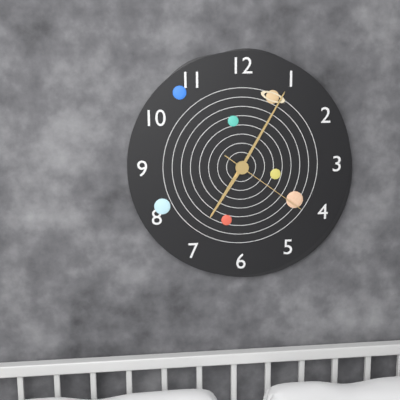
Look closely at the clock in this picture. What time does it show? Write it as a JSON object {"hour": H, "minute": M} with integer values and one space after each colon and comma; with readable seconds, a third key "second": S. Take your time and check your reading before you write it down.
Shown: {"hour": 7, "minute": 5, "second": 21}
